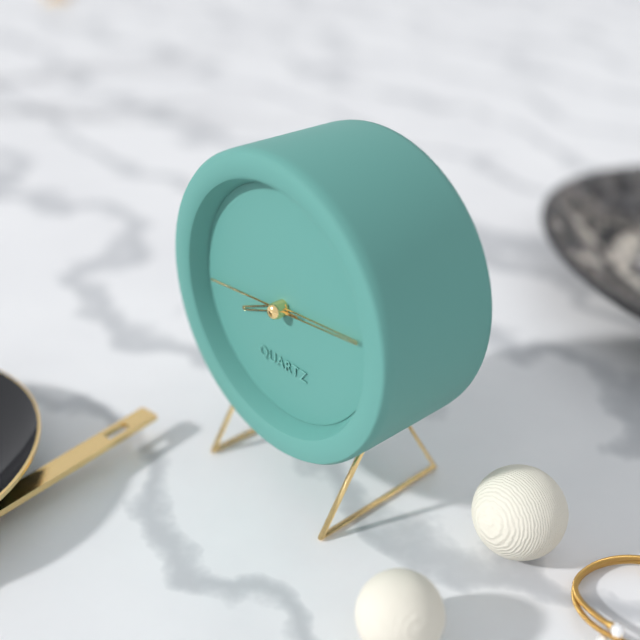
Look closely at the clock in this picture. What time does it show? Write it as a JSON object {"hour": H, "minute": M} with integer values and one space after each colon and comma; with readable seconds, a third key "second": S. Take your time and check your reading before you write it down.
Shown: {"hour": 8, "minute": 14, "second": 44}
